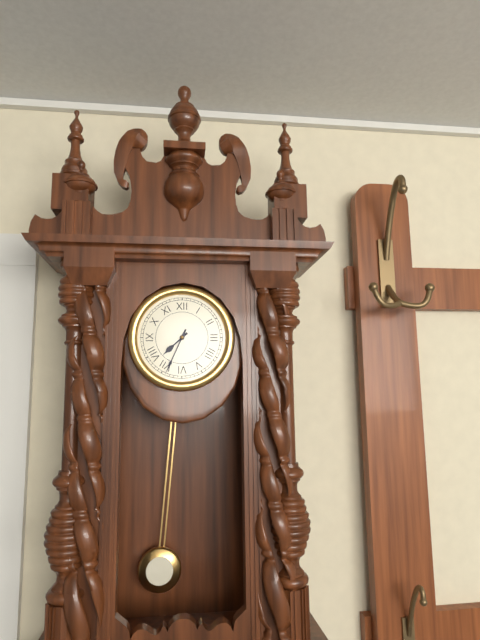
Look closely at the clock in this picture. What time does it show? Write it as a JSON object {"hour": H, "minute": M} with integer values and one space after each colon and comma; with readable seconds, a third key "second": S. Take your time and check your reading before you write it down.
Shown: {"hour": 7, "minute": 34}
